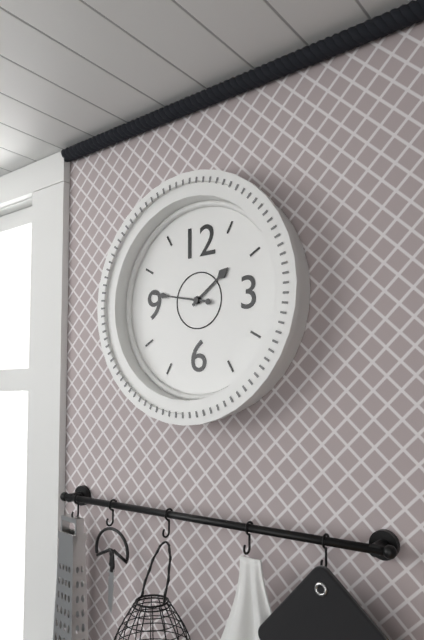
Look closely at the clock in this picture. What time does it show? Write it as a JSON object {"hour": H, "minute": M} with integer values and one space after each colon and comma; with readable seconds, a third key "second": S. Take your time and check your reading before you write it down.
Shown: {"hour": 1, "minute": 47}
